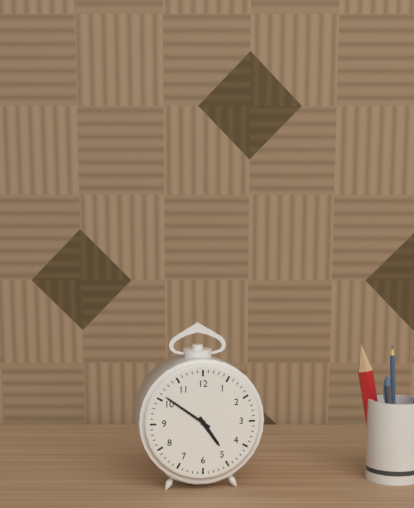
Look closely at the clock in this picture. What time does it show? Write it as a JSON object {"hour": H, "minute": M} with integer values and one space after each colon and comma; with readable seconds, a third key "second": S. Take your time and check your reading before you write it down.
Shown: {"hour": 4, "minute": 51}
